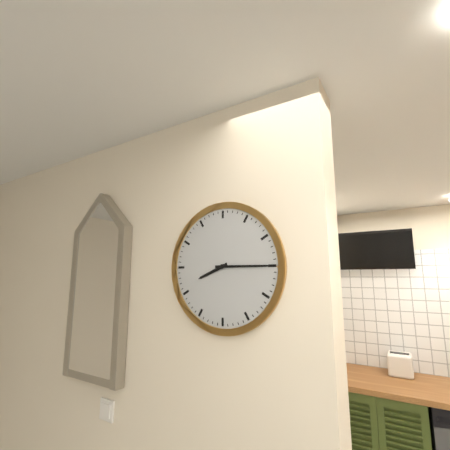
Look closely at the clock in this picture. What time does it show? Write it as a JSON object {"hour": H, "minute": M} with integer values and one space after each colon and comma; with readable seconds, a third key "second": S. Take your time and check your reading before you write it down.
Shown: {"hour": 8, "minute": 15}
